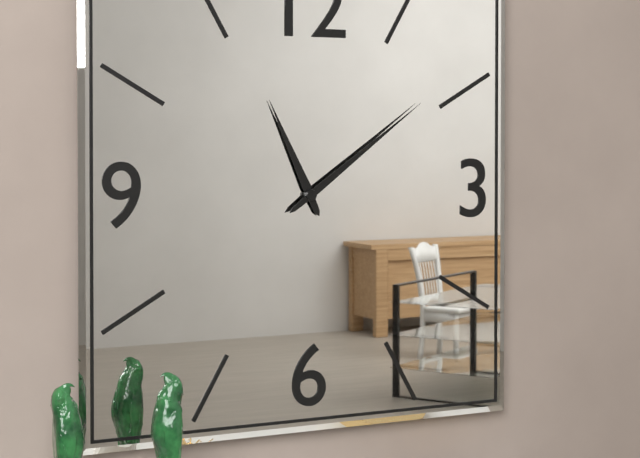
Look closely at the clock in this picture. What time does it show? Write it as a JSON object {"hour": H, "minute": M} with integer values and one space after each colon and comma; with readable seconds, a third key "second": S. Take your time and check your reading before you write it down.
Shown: {"hour": 11, "minute": 9}
